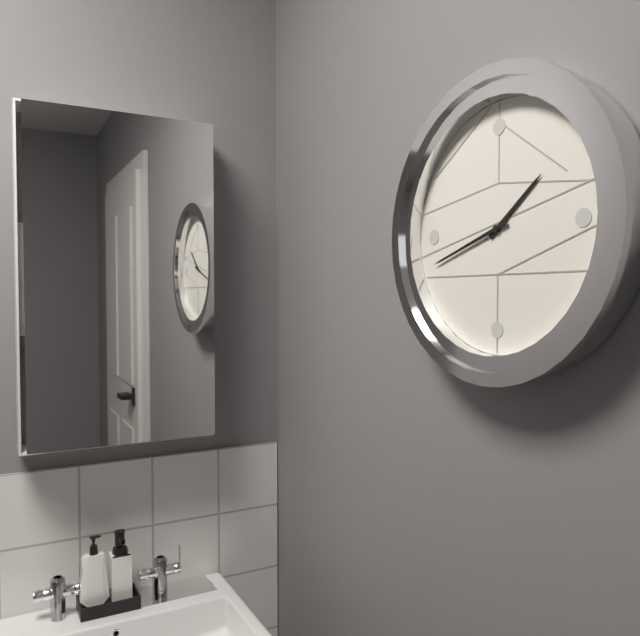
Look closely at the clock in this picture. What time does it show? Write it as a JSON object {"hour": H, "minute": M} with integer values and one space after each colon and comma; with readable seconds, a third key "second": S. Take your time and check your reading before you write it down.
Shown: {"hour": 1, "minute": 42}
